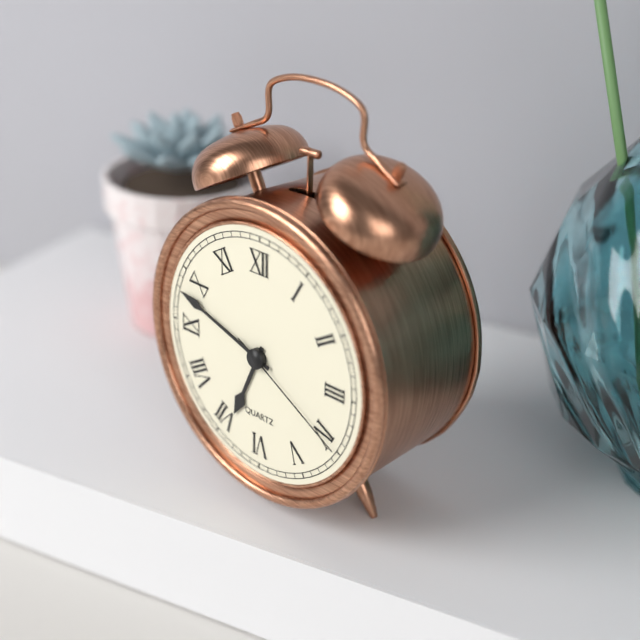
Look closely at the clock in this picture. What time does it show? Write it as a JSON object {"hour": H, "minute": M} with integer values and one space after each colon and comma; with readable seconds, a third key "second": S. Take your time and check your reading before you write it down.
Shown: {"hour": 6, "minute": 48, "second": 20}
